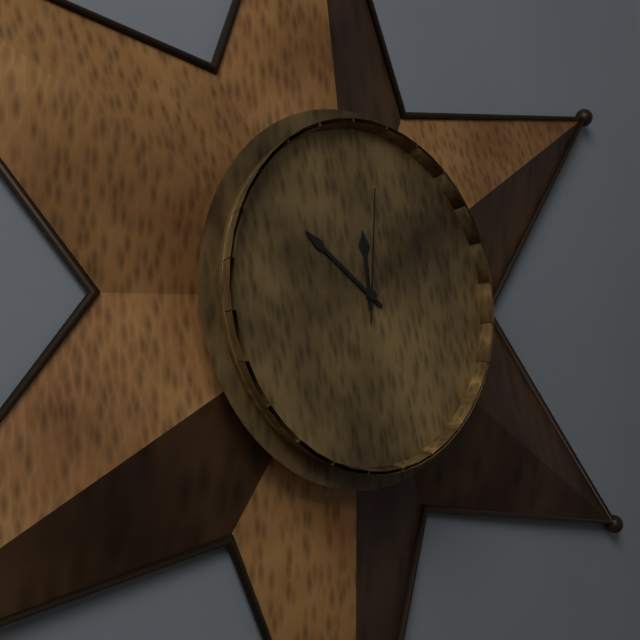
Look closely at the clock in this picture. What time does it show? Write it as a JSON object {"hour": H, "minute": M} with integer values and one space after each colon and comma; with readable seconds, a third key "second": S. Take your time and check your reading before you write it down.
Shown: {"hour": 11, "minute": 51, "second": 1}
